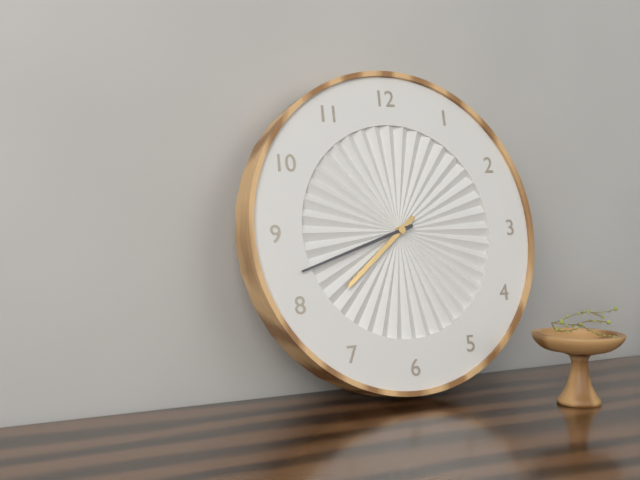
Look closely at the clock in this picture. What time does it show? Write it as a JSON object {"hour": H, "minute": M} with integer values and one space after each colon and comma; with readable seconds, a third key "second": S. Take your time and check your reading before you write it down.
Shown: {"hour": 7, "minute": 42}
